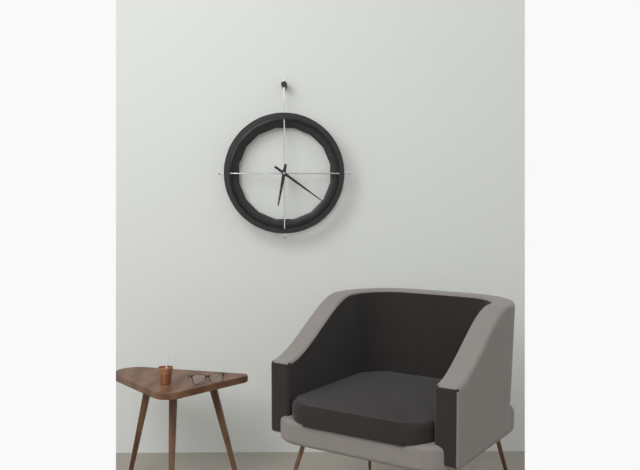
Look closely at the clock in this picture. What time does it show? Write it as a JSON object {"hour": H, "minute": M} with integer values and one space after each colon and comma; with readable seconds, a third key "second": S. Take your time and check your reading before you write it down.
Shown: {"hour": 6, "minute": 21}
